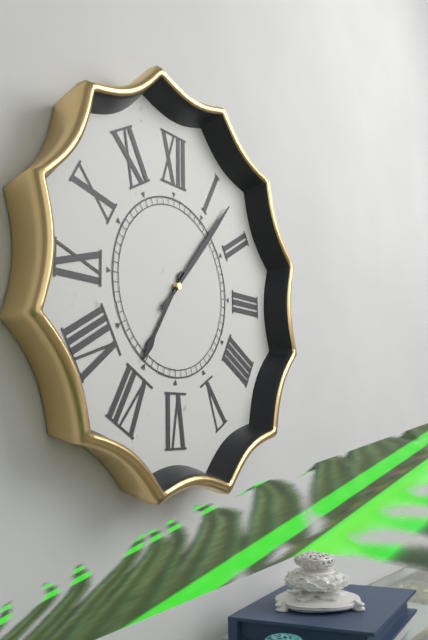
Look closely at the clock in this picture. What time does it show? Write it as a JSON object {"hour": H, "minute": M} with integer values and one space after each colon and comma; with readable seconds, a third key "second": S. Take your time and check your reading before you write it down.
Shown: {"hour": 7, "minute": 7}
